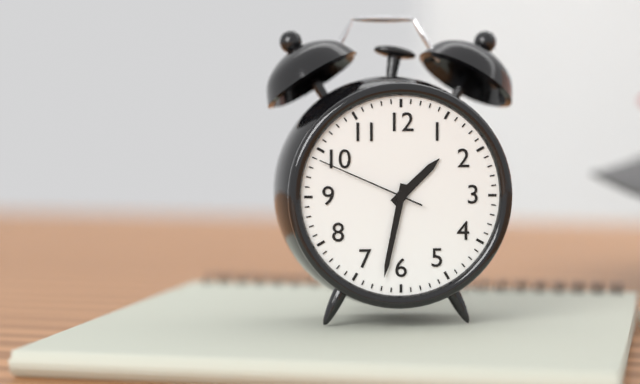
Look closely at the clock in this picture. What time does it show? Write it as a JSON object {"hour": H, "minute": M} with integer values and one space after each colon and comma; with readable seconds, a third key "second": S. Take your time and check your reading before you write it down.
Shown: {"hour": 1, "minute": 32, "second": 49}
